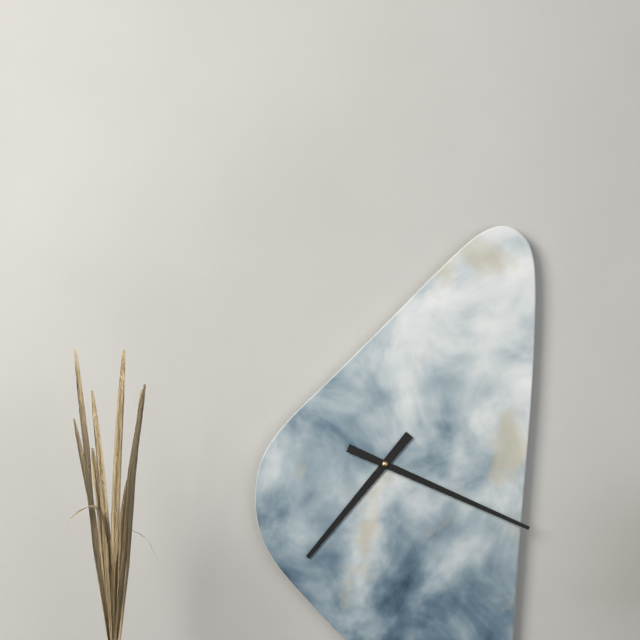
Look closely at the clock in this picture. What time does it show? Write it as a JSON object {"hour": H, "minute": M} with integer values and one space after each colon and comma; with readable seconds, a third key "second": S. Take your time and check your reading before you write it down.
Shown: {"hour": 7, "minute": 19}
